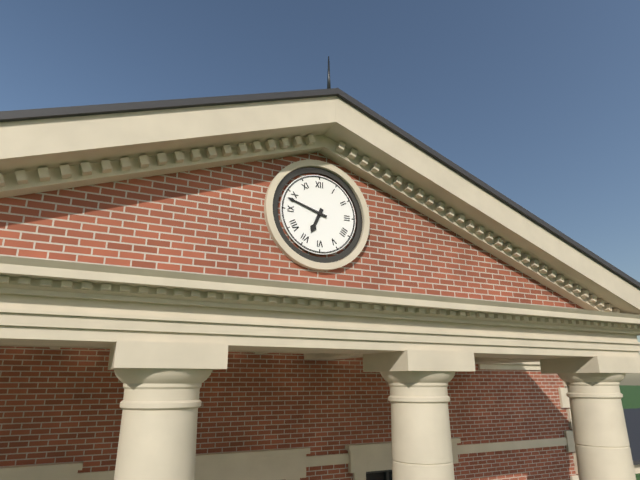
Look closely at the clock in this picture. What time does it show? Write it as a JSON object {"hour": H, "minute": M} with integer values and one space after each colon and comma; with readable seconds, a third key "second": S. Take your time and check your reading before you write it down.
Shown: {"hour": 6, "minute": 48}
